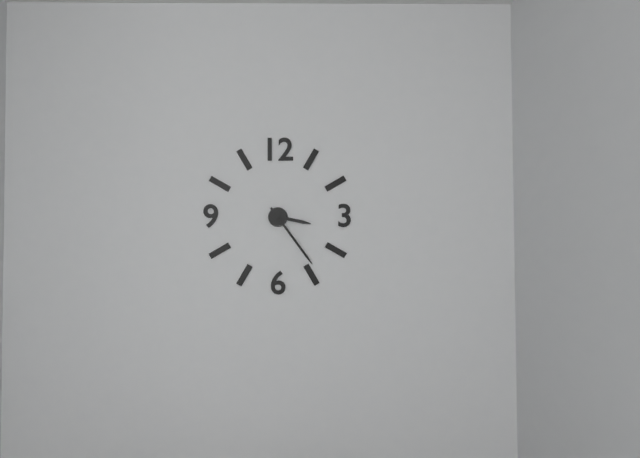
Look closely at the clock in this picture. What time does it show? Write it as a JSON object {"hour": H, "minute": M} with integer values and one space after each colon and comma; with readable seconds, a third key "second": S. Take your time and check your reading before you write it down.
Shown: {"hour": 3, "minute": 24}
